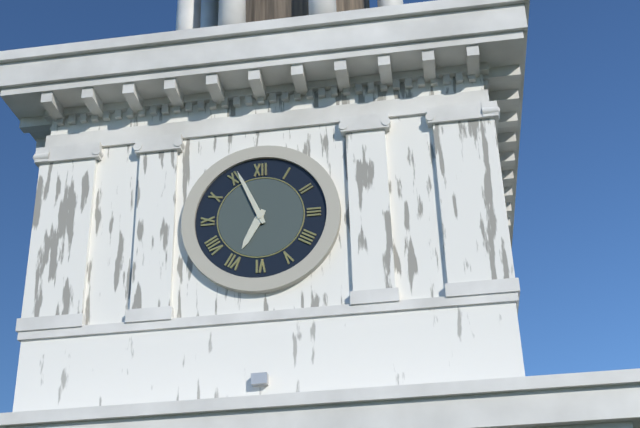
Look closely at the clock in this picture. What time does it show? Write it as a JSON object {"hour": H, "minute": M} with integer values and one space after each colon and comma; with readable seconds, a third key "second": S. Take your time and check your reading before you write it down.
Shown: {"hour": 6, "minute": 56}
